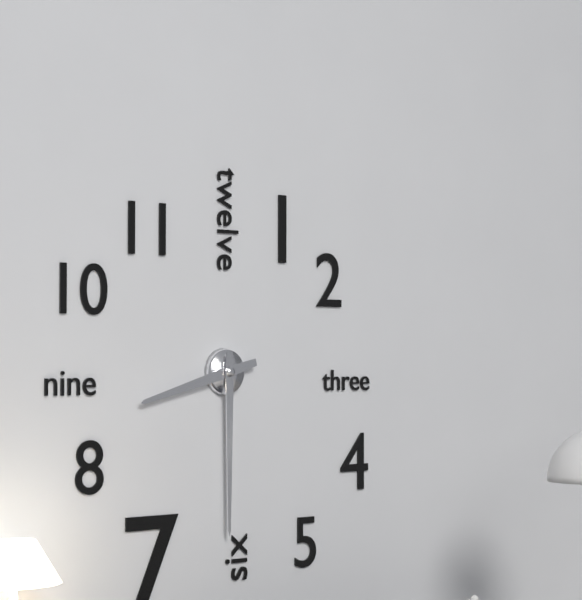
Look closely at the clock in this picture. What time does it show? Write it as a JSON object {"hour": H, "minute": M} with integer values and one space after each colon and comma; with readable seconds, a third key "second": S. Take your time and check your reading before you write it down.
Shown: {"hour": 8, "minute": 30}
